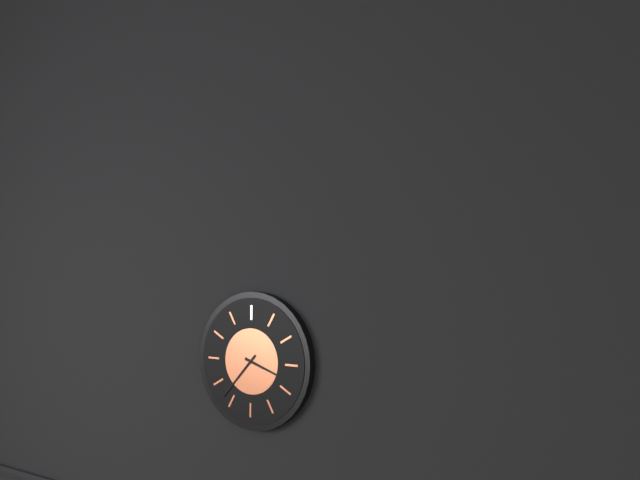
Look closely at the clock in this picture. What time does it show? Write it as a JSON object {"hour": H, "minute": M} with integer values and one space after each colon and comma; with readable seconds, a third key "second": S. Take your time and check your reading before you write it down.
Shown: {"hour": 3, "minute": 37}
